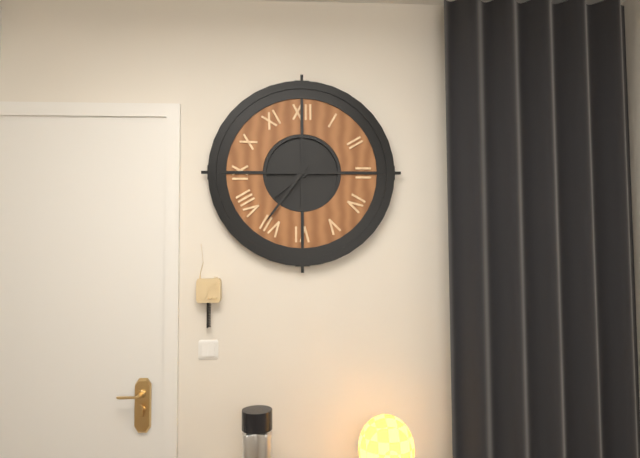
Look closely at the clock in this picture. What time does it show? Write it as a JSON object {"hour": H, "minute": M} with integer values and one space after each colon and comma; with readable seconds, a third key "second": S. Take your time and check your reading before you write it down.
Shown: {"hour": 7, "minute": 36}
